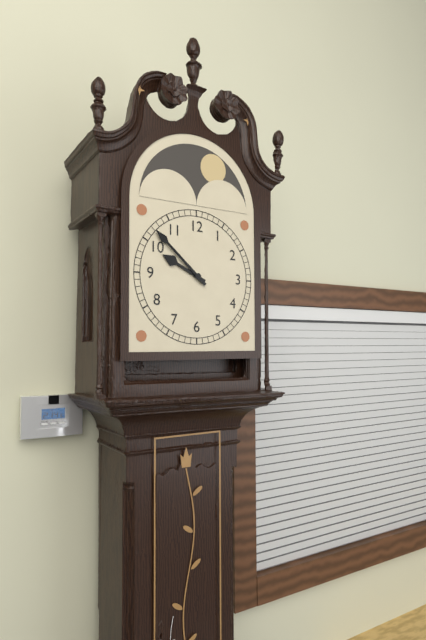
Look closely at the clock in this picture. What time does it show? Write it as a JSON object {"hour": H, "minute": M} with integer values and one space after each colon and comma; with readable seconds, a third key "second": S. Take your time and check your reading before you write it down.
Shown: {"hour": 9, "minute": 52}
